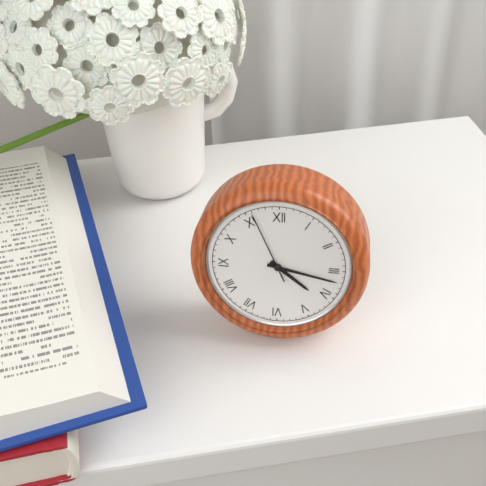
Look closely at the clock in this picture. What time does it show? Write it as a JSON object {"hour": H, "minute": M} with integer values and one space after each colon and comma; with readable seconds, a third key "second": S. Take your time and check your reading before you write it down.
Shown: {"hour": 4, "minute": 17, "second": 56}
